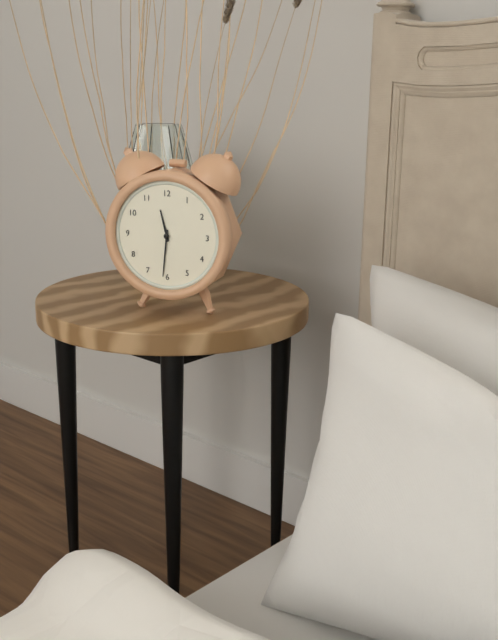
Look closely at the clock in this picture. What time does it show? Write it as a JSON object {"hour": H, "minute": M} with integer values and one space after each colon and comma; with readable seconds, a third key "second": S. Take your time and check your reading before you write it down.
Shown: {"hour": 11, "minute": 31}
